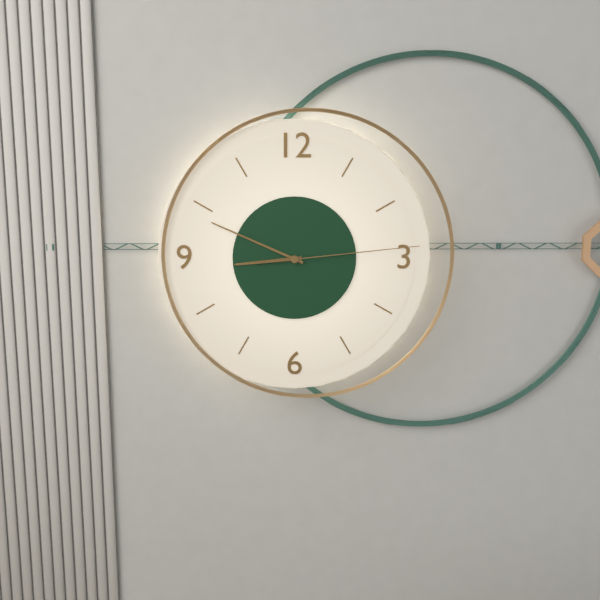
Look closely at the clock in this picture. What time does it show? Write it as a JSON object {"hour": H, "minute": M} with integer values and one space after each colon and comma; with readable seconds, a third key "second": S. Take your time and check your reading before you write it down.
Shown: {"hour": 8, "minute": 49, "second": 14}
